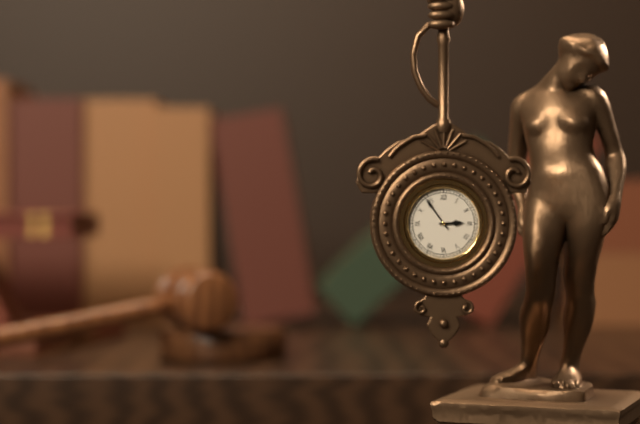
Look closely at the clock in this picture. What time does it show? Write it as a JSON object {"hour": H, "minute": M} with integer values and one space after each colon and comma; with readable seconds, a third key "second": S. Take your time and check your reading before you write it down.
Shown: {"hour": 2, "minute": 54}
